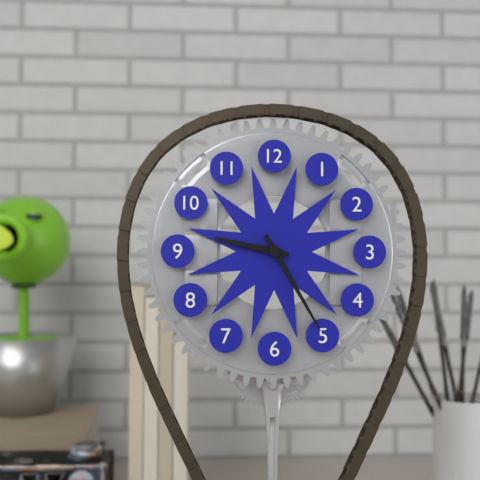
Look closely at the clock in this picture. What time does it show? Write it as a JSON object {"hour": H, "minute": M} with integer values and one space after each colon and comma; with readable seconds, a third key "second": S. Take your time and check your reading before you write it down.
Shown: {"hour": 9, "minute": 25}
